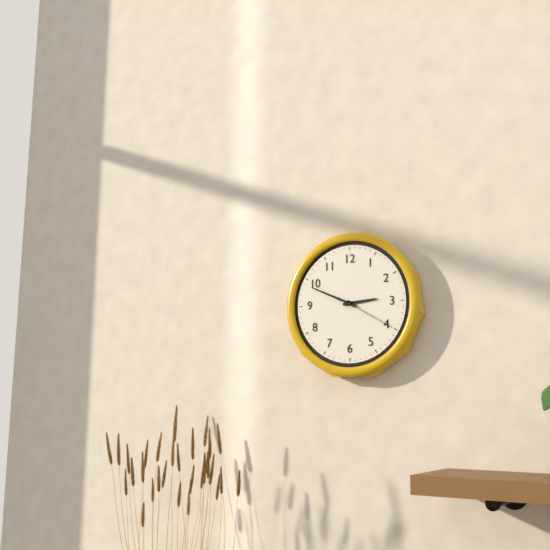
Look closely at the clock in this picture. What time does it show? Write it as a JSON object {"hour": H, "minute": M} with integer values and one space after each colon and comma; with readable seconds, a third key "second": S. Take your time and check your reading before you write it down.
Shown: {"hour": 2, "minute": 49, "second": 20}
